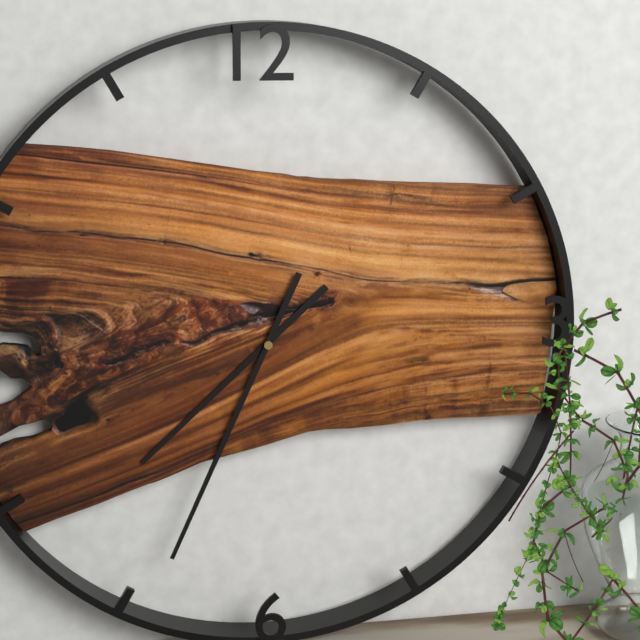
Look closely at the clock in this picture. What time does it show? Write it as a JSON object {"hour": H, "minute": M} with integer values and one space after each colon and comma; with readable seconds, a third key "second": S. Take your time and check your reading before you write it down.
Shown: {"hour": 7, "minute": 34}
